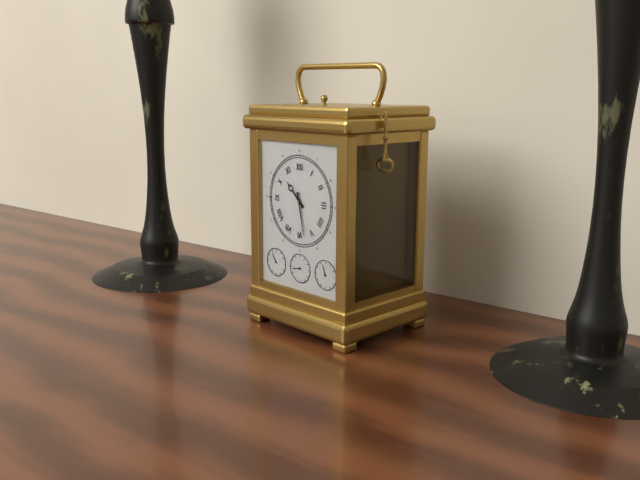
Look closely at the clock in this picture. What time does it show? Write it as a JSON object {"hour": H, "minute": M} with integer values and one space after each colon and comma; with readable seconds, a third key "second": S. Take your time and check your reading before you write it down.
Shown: {"hour": 10, "minute": 28}
